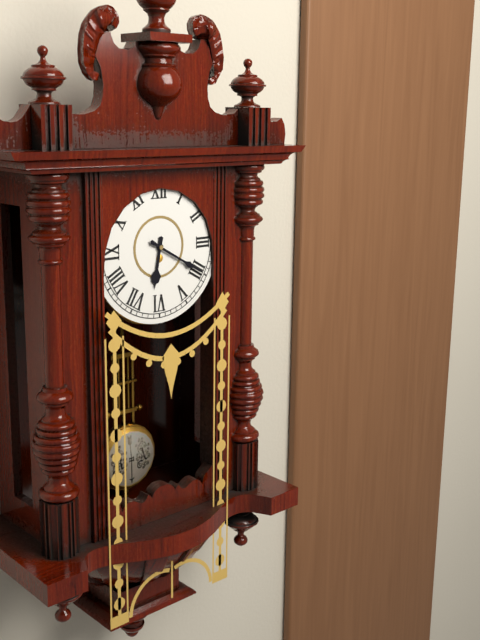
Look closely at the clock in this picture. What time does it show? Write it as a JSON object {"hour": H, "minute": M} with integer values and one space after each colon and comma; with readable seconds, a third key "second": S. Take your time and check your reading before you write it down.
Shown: {"hour": 6, "minute": 20}
